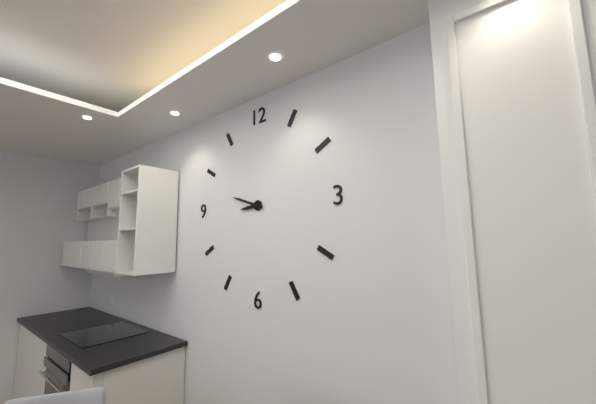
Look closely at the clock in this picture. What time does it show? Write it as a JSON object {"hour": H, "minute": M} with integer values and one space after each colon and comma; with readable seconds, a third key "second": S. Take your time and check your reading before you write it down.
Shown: {"hour": 8, "minute": 48}
